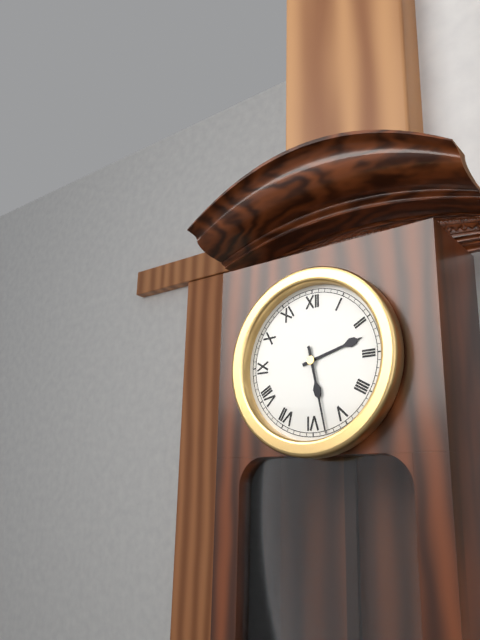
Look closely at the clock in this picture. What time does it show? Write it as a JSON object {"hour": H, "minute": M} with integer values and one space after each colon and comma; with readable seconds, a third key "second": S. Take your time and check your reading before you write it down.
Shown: {"hour": 2, "minute": 28}
